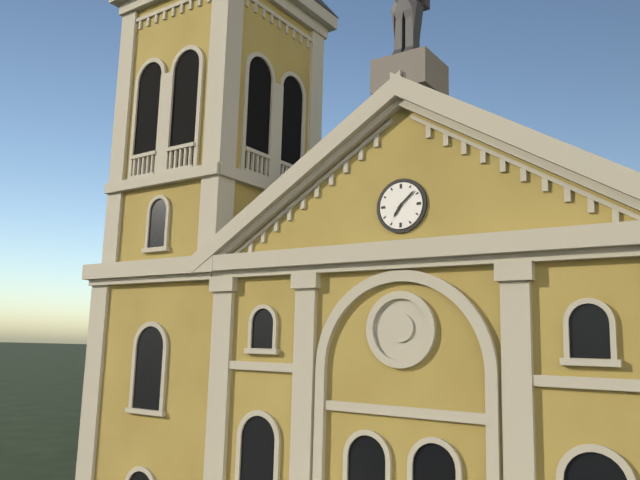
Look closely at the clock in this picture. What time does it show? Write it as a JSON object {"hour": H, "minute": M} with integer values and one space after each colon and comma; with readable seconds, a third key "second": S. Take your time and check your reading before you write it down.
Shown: {"hour": 7, "minute": 8}
